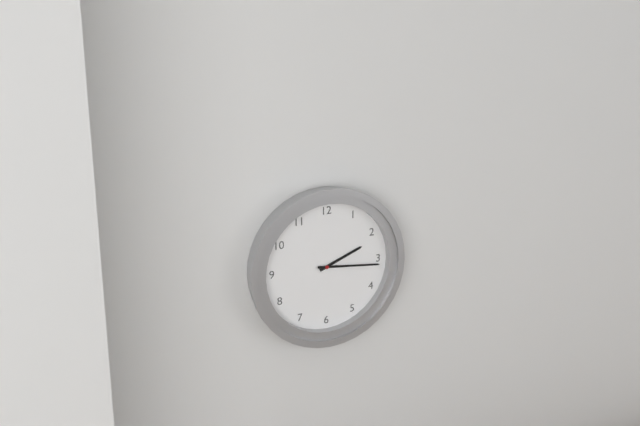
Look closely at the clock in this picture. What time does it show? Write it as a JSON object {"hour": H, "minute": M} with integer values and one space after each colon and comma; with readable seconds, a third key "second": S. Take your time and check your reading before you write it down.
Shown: {"hour": 2, "minute": 16}
